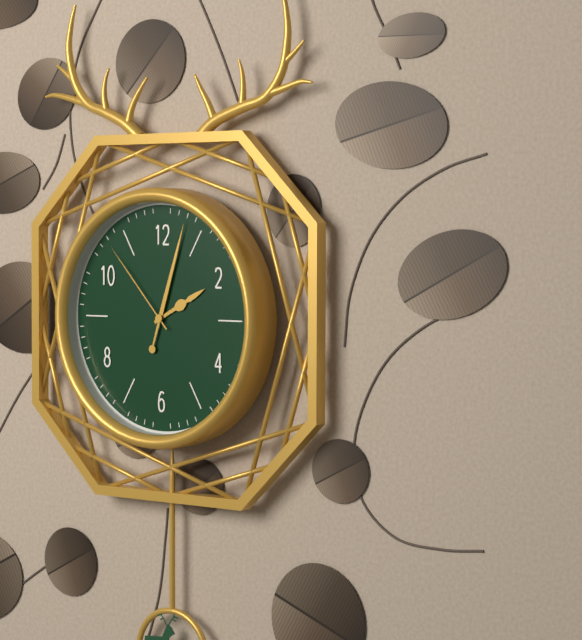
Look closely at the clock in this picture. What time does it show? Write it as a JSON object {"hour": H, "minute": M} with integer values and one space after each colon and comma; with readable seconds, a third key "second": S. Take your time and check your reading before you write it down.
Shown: {"hour": 2, "minute": 3, "second": 53}
